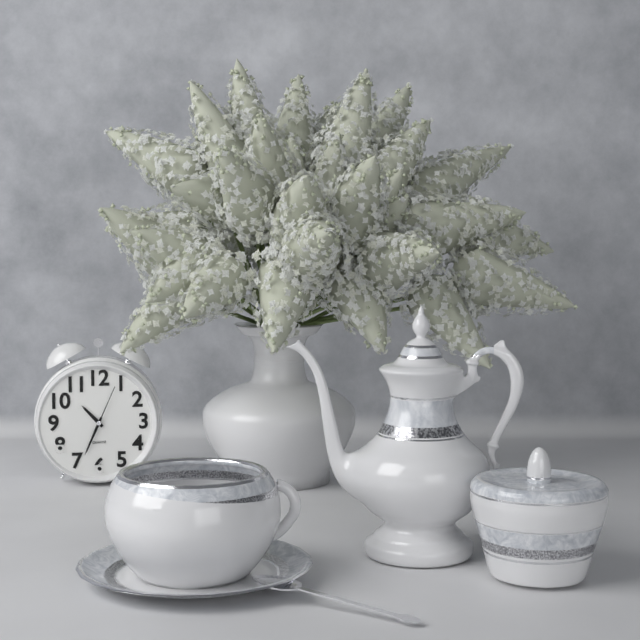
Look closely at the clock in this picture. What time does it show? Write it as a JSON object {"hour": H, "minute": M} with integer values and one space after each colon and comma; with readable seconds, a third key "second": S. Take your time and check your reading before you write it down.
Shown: {"hour": 10, "minute": 34}
